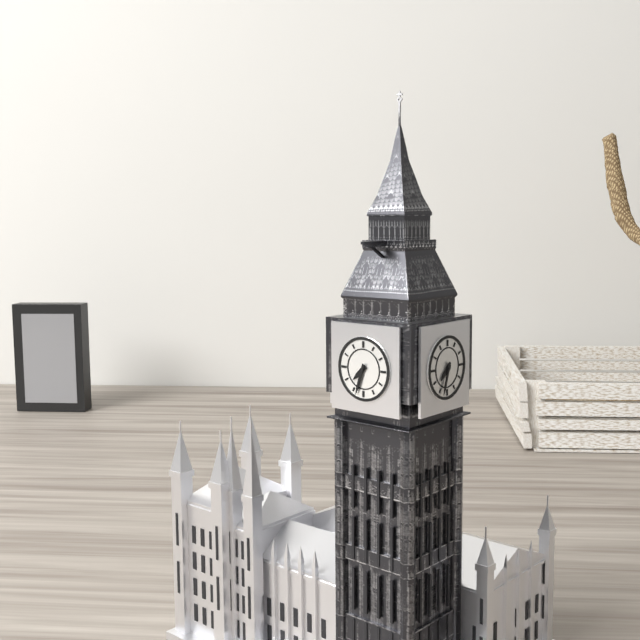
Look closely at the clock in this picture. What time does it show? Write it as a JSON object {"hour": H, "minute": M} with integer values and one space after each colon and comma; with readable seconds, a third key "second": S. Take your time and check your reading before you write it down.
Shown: {"hour": 7, "minute": 33}
